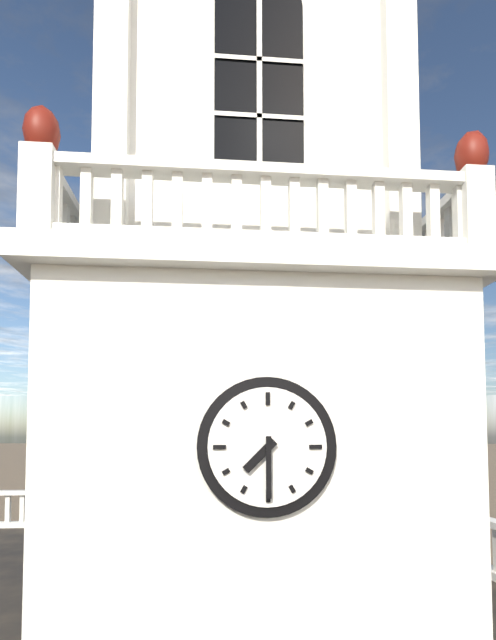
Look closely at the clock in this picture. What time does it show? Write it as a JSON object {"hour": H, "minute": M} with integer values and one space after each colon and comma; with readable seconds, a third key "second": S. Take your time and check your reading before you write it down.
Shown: {"hour": 7, "minute": 30}
